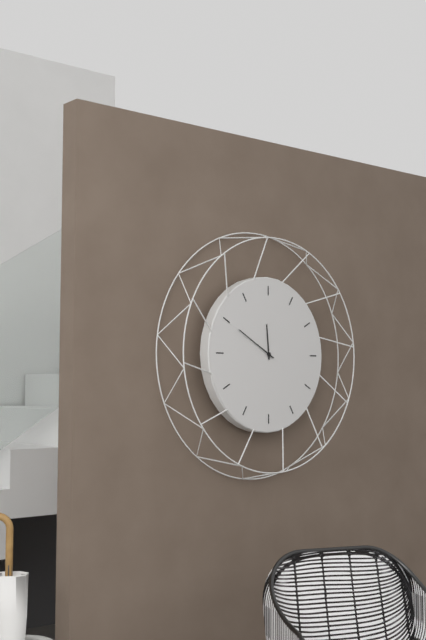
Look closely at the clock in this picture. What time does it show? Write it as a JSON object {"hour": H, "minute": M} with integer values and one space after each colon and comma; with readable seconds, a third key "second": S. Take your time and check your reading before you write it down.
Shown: {"hour": 11, "minute": 50}
